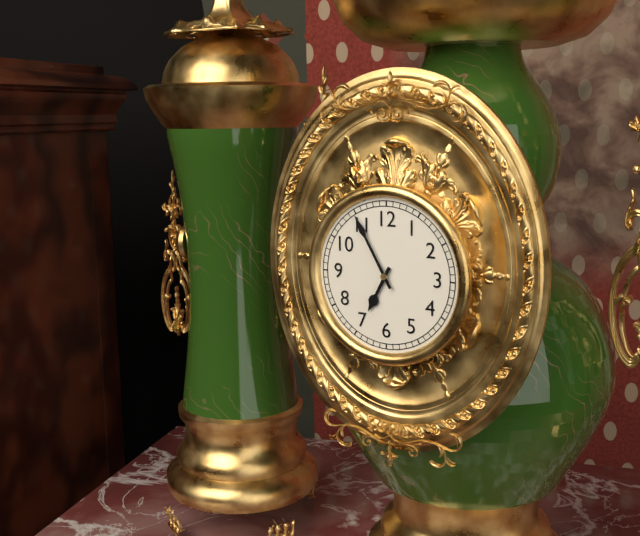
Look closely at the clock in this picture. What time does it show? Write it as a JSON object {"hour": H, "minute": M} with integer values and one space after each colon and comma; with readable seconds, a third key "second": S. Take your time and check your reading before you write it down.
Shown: {"hour": 6, "minute": 55}
